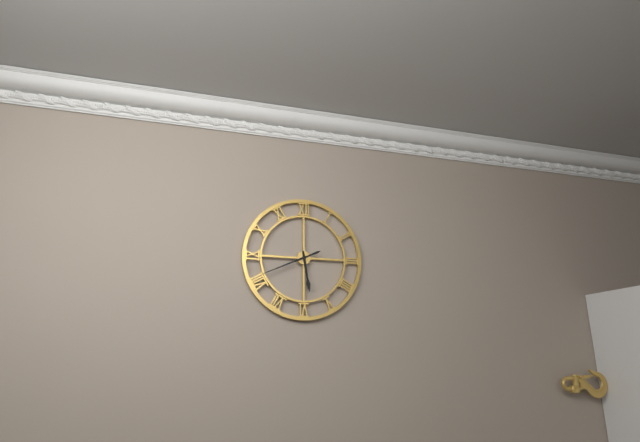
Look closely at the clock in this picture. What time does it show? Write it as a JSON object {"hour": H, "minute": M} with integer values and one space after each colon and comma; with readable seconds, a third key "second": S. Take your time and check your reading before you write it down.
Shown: {"hour": 5, "minute": 41}
